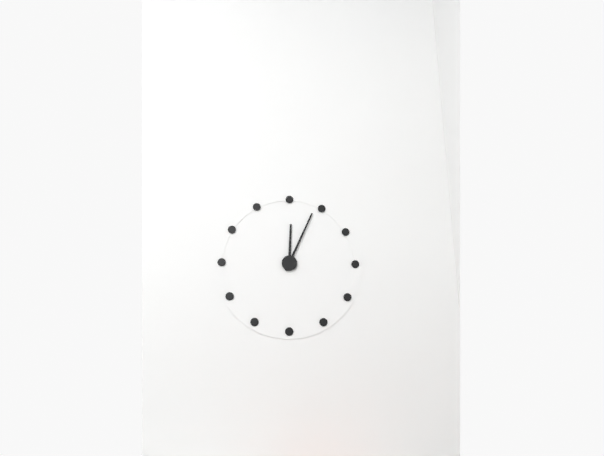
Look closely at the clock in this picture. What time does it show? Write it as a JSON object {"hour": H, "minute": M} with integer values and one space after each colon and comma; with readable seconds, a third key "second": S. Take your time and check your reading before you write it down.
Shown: {"hour": 12, "minute": 4}
